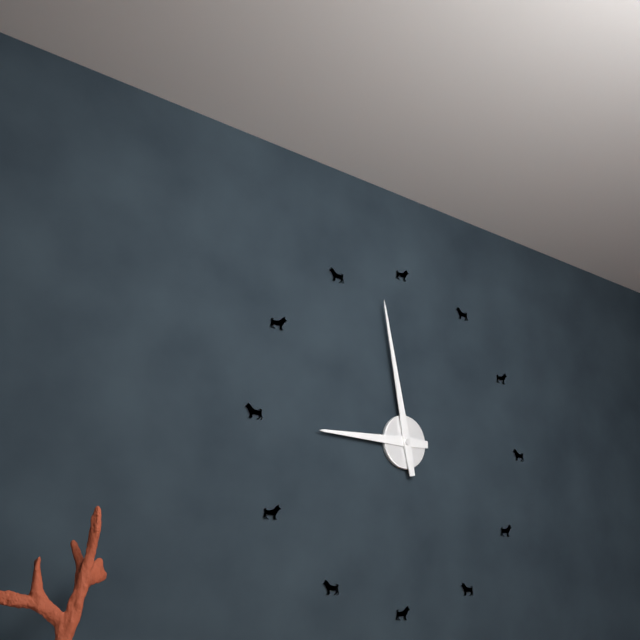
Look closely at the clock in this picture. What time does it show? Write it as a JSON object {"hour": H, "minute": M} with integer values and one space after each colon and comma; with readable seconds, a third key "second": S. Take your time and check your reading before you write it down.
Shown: {"hour": 8, "minute": 58}
